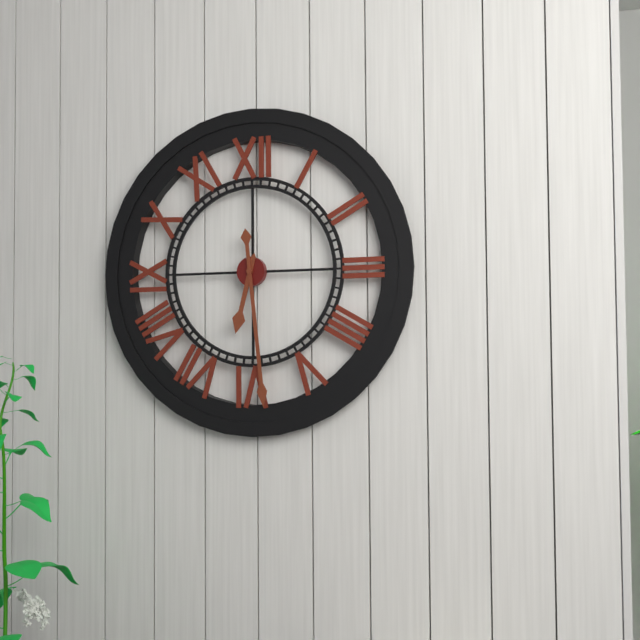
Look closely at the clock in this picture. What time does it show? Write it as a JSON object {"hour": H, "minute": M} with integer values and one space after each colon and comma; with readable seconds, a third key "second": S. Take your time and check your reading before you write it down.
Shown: {"hour": 6, "minute": 29}
